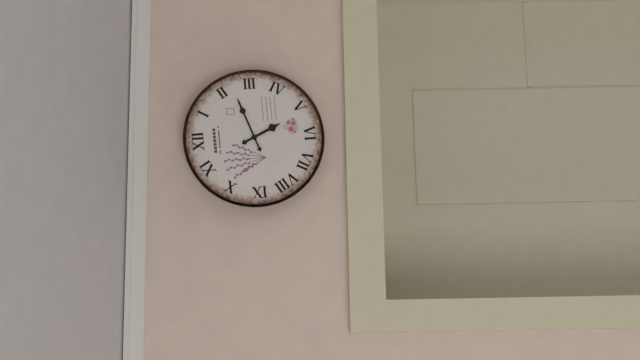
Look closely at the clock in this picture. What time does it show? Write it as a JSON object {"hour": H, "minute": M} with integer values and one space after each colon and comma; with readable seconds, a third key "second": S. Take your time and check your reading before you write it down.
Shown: {"hour": 5, "minute": 12}
